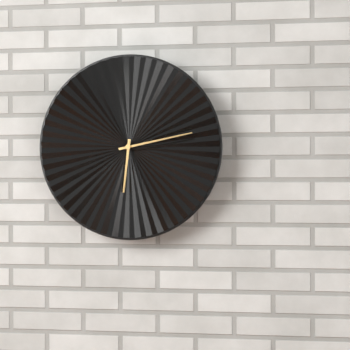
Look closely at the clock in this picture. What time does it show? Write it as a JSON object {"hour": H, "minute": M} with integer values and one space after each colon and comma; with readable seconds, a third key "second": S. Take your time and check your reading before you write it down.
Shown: {"hour": 6, "minute": 13}
